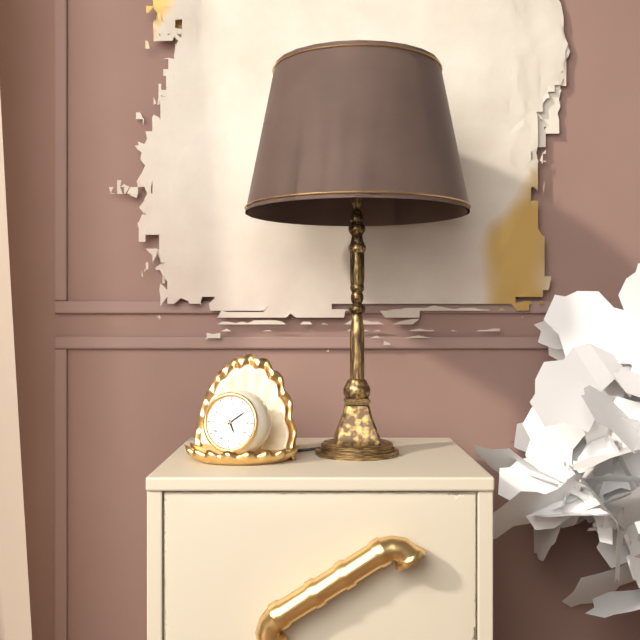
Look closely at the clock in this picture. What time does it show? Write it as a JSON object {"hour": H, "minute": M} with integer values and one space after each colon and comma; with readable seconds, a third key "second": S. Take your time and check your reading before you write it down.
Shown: {"hour": 5, "minute": 9}
